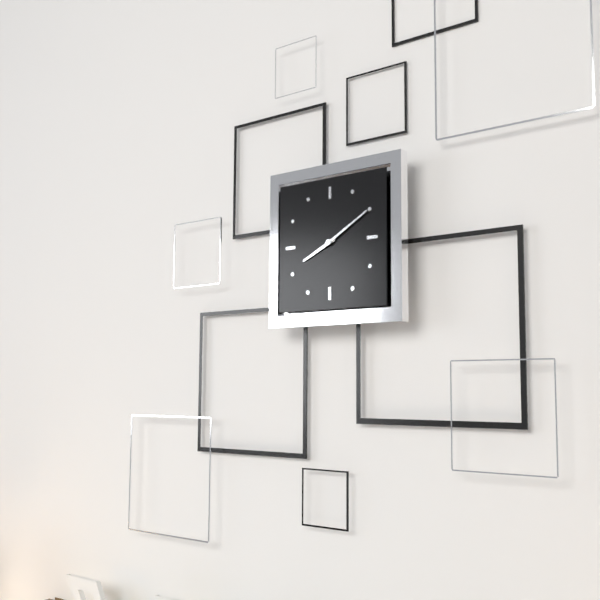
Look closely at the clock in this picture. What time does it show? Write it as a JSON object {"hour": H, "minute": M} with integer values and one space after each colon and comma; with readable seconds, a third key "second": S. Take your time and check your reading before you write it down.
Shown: {"hour": 8, "minute": 10}
